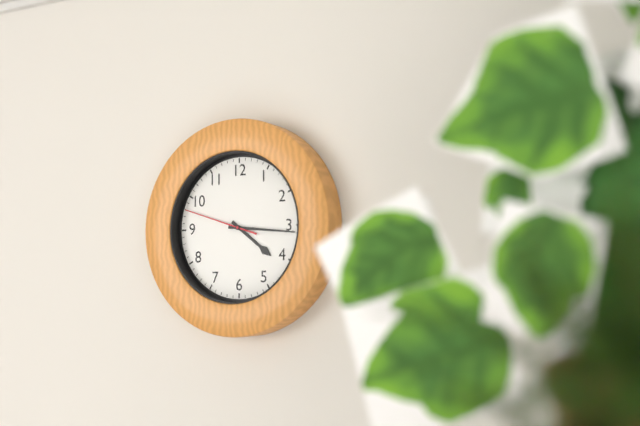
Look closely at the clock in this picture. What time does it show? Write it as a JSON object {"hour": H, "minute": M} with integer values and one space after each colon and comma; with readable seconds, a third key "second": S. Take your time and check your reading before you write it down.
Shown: {"hour": 4, "minute": 16, "second": 48}
